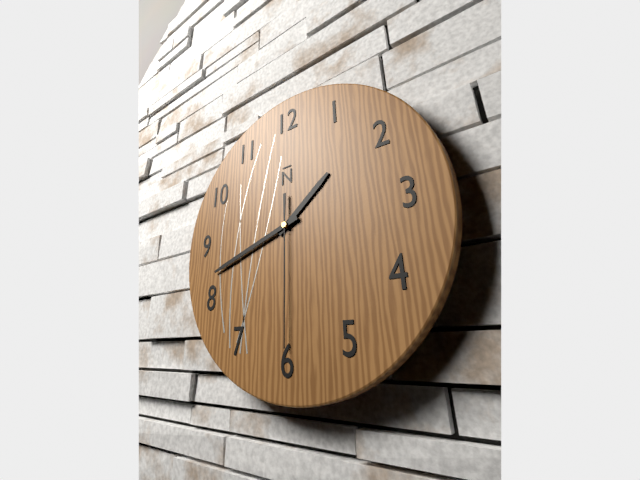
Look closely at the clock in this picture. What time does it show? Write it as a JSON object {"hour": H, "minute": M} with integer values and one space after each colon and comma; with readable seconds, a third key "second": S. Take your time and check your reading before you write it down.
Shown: {"hour": 1, "minute": 42, "second": 30}
